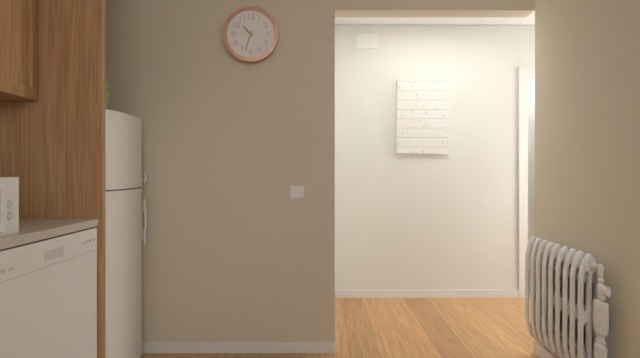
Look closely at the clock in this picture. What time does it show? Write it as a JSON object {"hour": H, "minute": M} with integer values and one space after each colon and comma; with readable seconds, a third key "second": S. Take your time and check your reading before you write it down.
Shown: {"hour": 10, "minute": 33}
